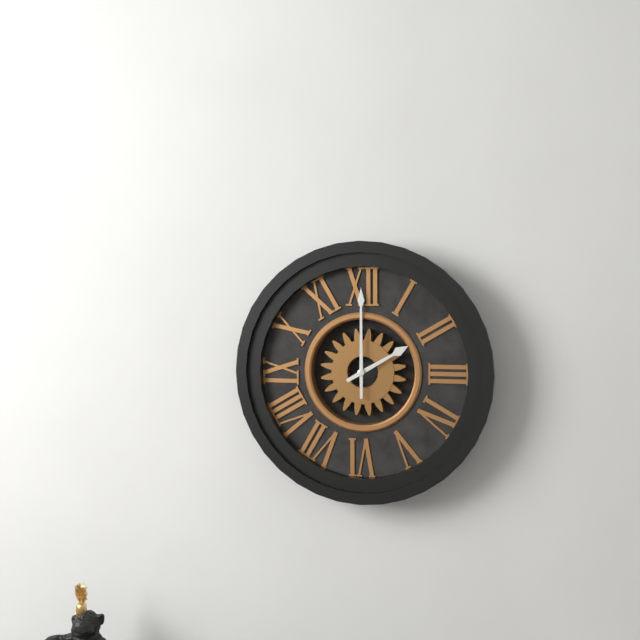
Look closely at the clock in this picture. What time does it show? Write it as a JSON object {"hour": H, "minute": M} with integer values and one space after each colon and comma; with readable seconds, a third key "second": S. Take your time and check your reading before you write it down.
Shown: {"hour": 2, "minute": 0}
